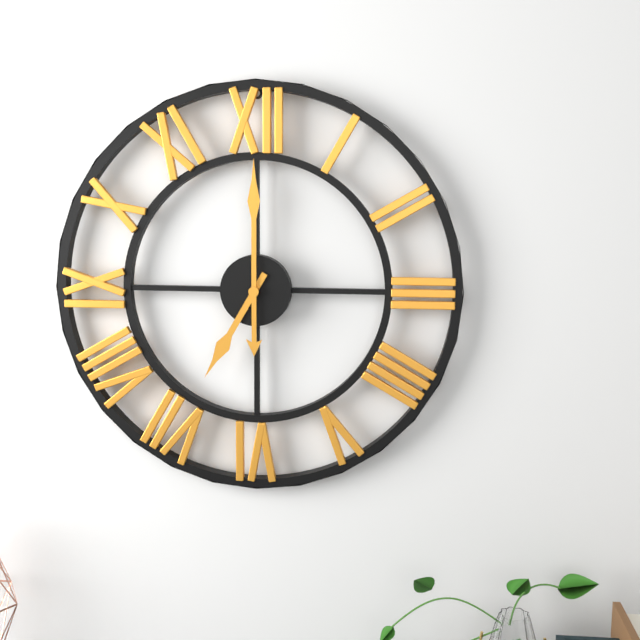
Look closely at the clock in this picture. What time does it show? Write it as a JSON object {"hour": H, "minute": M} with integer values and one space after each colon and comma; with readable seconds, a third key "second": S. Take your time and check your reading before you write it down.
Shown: {"hour": 7, "minute": 0}
